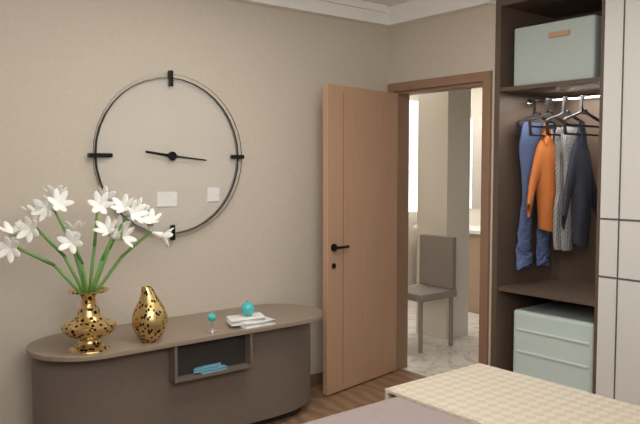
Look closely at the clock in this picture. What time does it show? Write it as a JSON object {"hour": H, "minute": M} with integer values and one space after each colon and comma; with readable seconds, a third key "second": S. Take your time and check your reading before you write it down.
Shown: {"hour": 9, "minute": 16}
